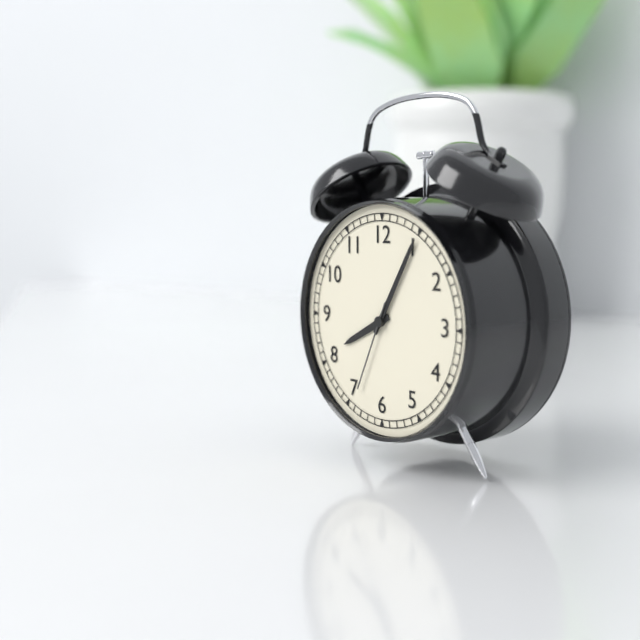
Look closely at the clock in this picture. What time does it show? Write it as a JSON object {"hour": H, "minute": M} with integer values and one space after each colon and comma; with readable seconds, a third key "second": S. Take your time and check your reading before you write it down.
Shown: {"hour": 8, "minute": 5, "second": 34}
